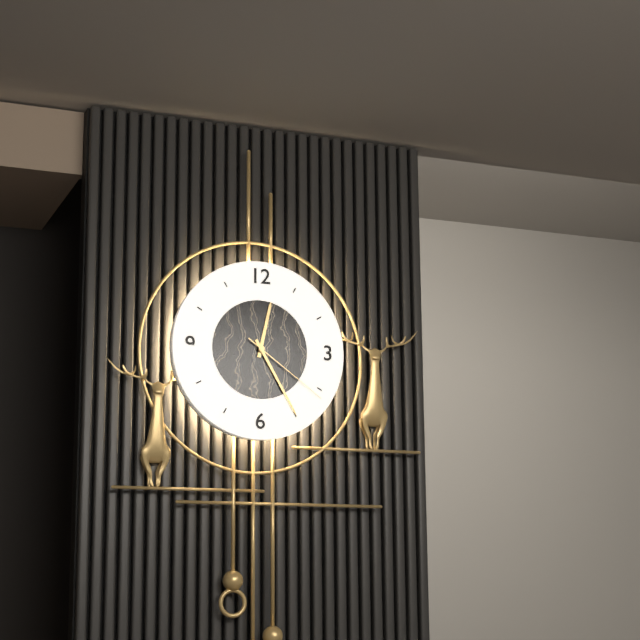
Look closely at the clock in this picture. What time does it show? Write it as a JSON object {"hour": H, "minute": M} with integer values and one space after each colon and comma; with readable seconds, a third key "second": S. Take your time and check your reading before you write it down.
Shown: {"hour": 12, "minute": 25, "second": 21}
